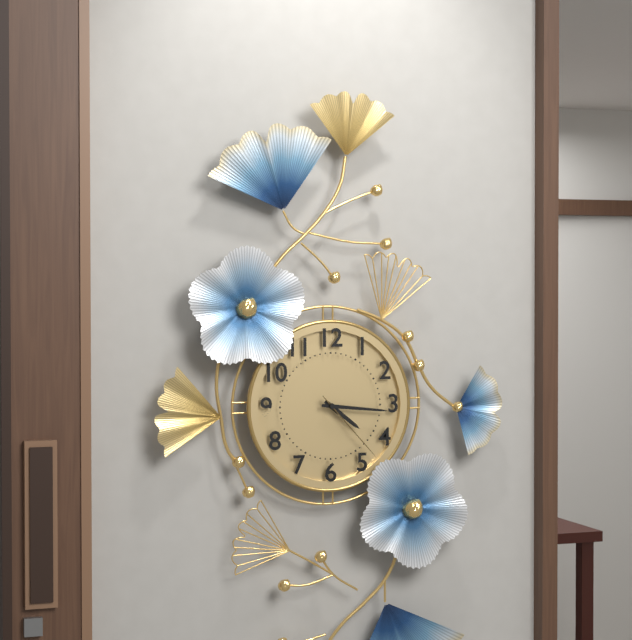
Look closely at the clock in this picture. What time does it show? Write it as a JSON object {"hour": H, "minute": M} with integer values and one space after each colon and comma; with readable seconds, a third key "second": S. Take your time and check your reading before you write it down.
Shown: {"hour": 4, "minute": 16, "second": 23}
